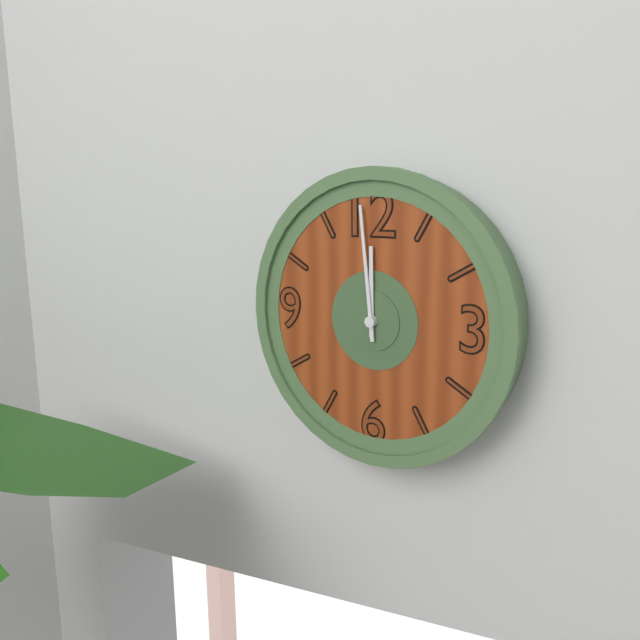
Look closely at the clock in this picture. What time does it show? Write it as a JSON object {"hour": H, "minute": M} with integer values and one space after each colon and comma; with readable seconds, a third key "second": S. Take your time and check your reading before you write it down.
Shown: {"hour": 11, "minute": 59}
